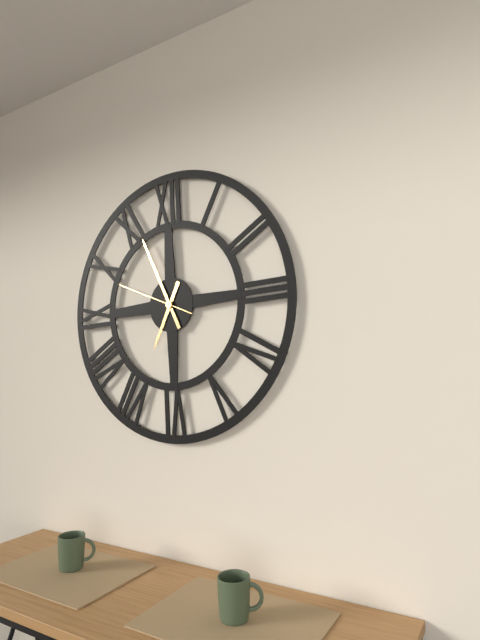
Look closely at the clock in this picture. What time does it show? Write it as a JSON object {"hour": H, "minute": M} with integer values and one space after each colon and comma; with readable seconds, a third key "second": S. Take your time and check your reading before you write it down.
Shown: {"hour": 6, "minute": 56, "second": 49}
